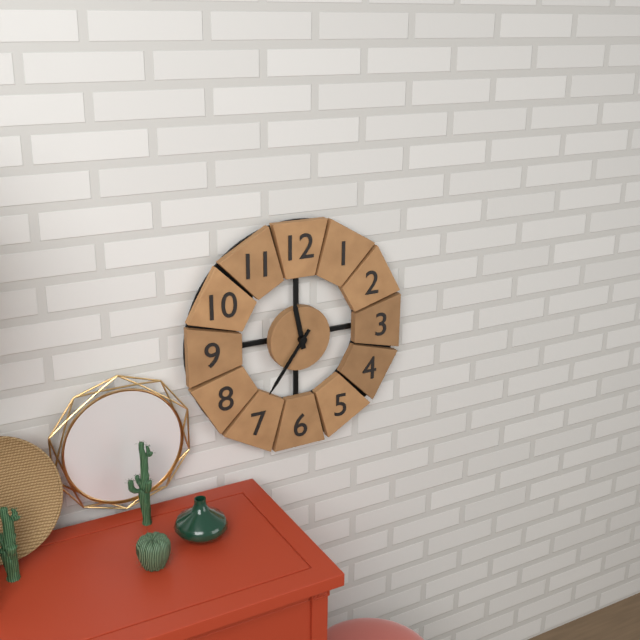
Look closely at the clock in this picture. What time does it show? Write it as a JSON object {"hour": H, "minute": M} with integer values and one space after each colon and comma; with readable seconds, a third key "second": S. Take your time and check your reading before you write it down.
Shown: {"hour": 11, "minute": 36}
